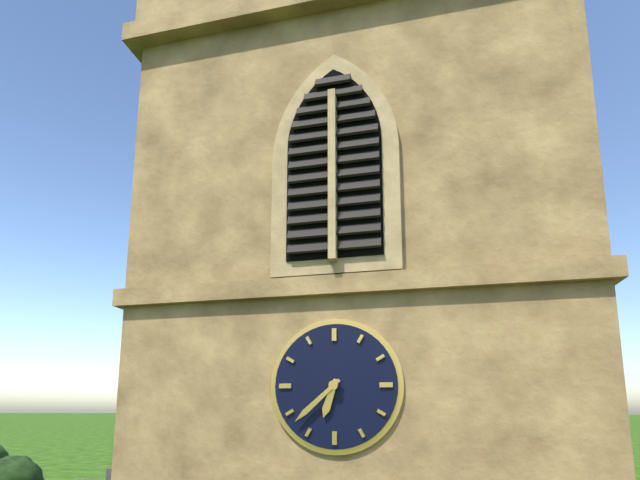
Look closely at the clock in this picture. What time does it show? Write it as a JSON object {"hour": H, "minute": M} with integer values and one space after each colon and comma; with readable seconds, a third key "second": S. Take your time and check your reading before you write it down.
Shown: {"hour": 6, "minute": 38}
